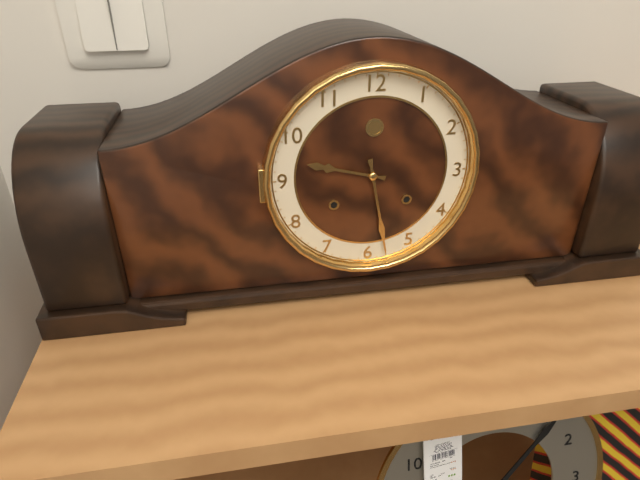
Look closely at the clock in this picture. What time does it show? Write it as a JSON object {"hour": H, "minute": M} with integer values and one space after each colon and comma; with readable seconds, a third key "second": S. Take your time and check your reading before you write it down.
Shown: {"hour": 9, "minute": 28}
